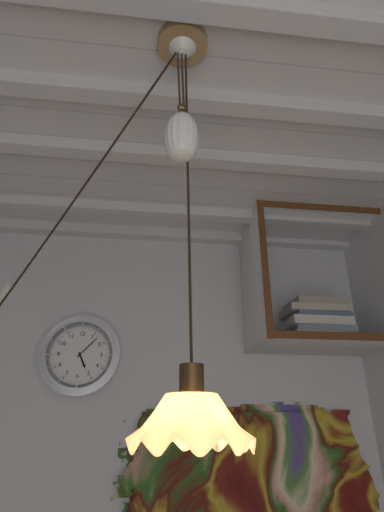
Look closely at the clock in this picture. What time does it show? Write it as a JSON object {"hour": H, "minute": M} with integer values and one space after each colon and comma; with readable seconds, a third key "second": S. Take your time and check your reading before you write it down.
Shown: {"hour": 5, "minute": 7}
